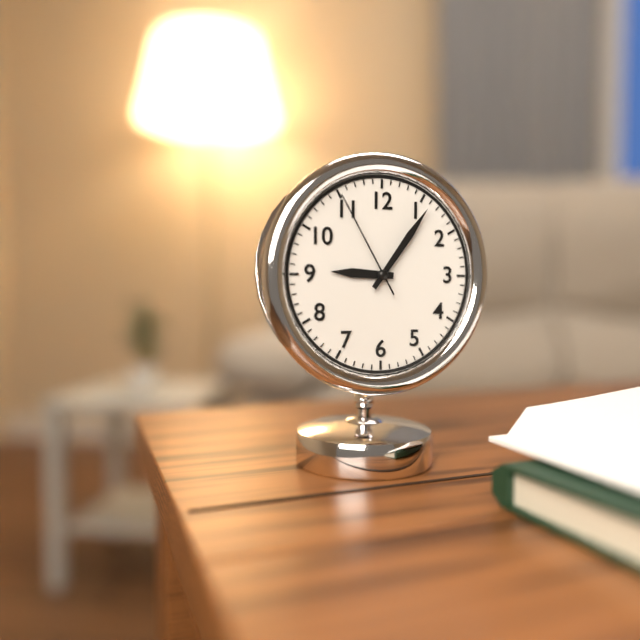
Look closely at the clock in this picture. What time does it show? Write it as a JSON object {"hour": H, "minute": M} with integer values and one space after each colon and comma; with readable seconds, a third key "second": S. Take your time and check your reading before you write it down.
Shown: {"hour": 9, "minute": 6, "second": 55}
